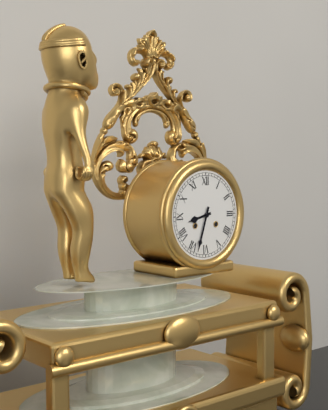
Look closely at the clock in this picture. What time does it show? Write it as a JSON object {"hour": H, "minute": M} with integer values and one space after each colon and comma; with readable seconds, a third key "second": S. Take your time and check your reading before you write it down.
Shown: {"hour": 8, "minute": 33}
